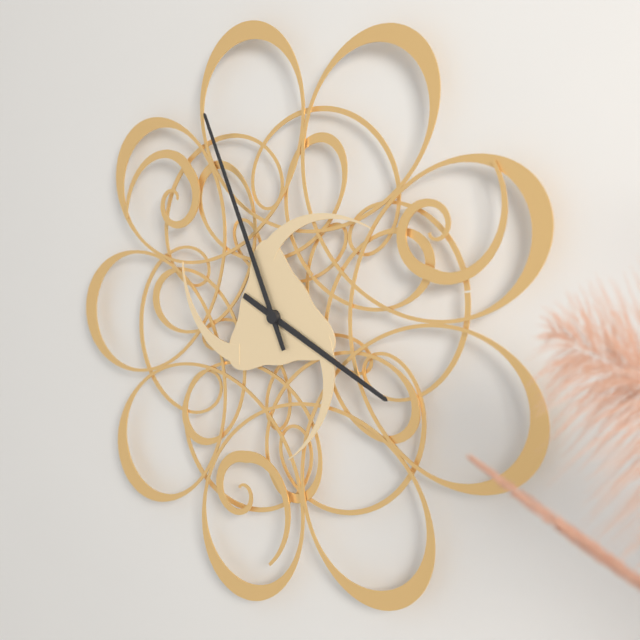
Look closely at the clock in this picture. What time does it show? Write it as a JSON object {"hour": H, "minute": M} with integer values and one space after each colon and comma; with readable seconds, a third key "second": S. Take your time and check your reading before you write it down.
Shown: {"hour": 3, "minute": 56}
